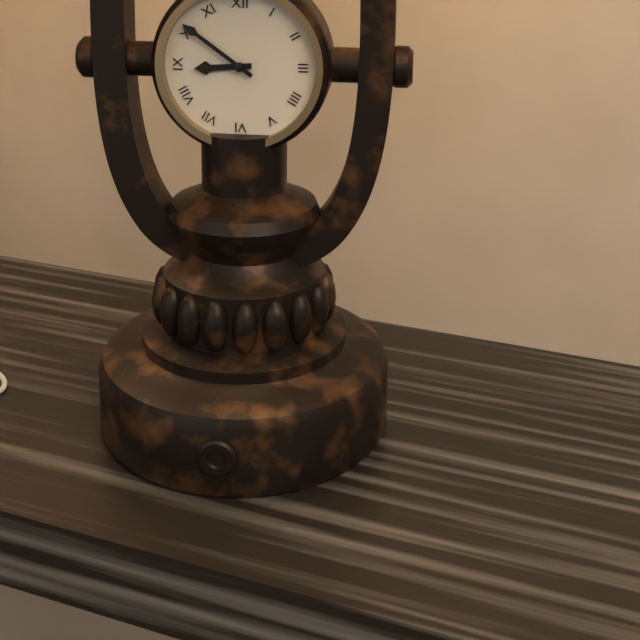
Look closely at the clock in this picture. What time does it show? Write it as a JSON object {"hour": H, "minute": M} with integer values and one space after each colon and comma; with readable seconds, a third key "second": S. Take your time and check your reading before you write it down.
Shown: {"hour": 8, "minute": 51}
